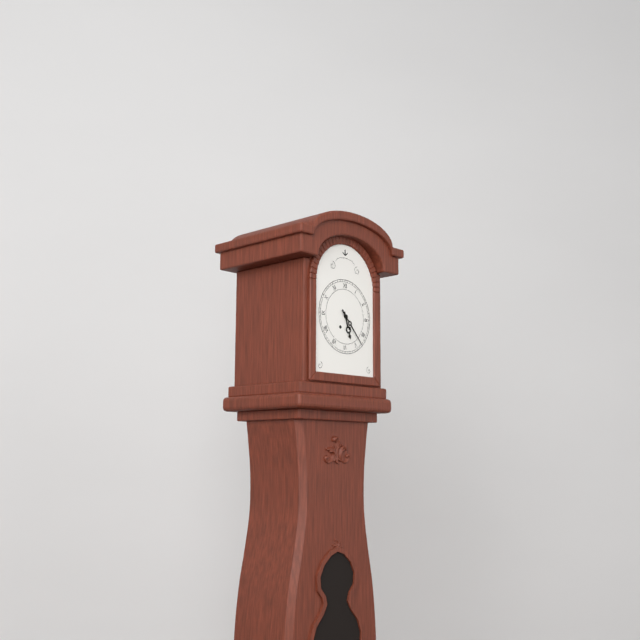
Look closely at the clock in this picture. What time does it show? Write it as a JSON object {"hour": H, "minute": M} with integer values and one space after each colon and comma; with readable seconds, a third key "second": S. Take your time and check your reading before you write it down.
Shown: {"hour": 5, "minute": 23}
